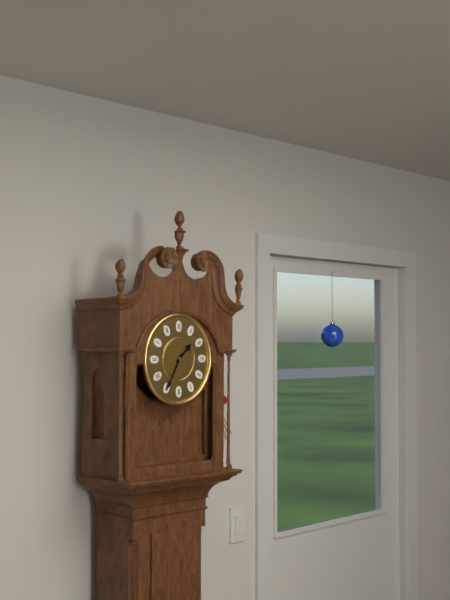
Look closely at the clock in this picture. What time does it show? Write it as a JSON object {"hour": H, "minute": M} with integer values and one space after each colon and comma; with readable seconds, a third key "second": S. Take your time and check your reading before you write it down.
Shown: {"hour": 1, "minute": 35}
